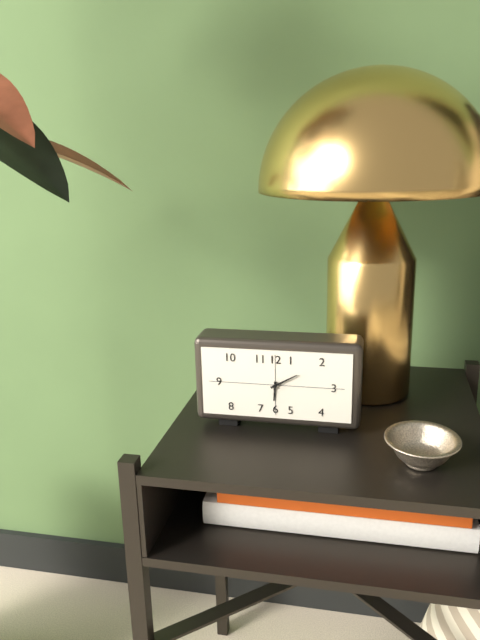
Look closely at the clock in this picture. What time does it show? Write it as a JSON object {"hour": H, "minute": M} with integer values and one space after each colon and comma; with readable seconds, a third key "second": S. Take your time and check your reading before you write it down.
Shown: {"hour": 6, "minute": 10}
